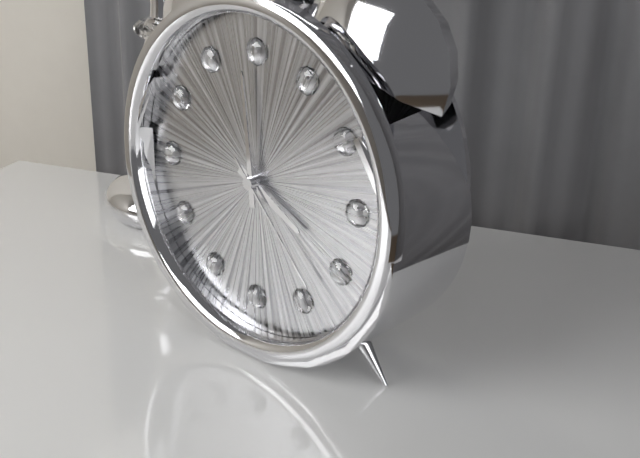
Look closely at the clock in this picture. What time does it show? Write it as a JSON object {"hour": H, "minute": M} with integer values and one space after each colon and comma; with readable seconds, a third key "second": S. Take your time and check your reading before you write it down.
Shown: {"hour": 3, "minute": 59, "second": 23}
